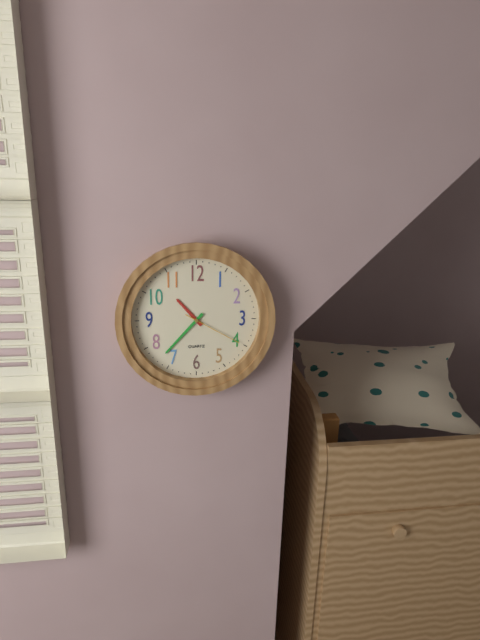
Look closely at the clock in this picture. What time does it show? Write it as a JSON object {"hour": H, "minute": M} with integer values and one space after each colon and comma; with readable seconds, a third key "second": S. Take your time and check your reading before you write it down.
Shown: {"hour": 10, "minute": 37, "second": 20}
